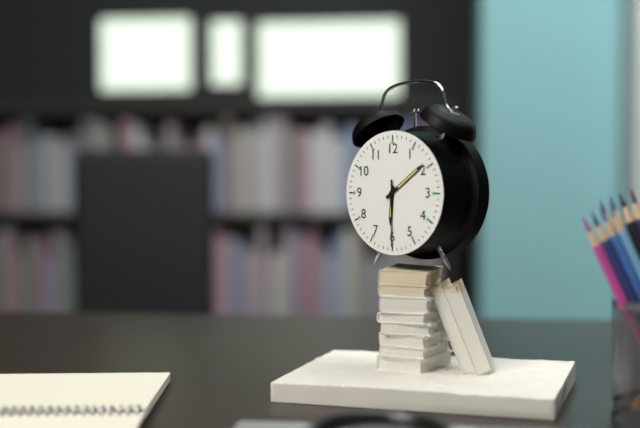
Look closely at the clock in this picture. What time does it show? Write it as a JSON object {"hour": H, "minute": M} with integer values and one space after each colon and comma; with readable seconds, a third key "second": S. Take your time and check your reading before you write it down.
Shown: {"hour": 6, "minute": 9, "second": 30}
